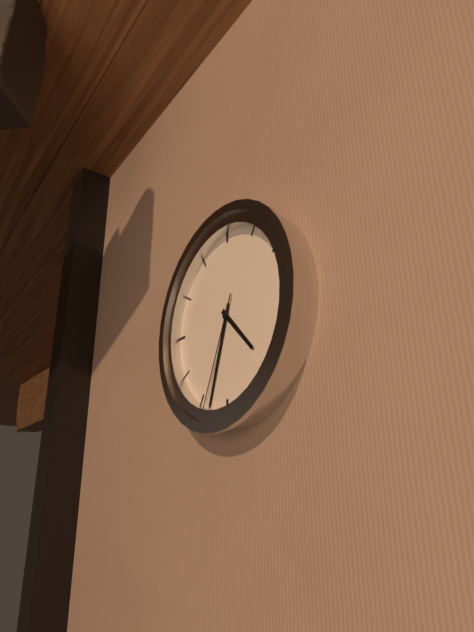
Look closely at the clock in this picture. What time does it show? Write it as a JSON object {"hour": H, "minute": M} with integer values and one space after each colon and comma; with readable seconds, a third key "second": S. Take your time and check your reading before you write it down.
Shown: {"hour": 4, "minute": 33, "second": 34}
